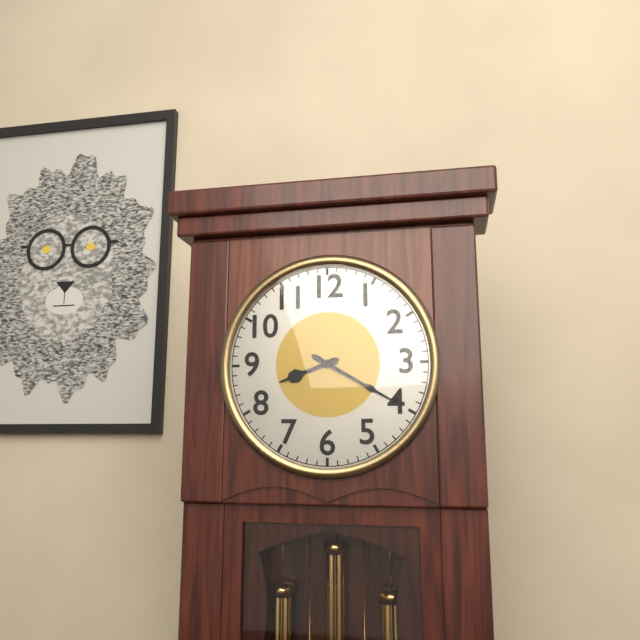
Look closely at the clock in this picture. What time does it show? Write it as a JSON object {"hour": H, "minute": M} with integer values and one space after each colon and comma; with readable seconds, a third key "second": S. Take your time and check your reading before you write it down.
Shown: {"hour": 8, "minute": 20}
